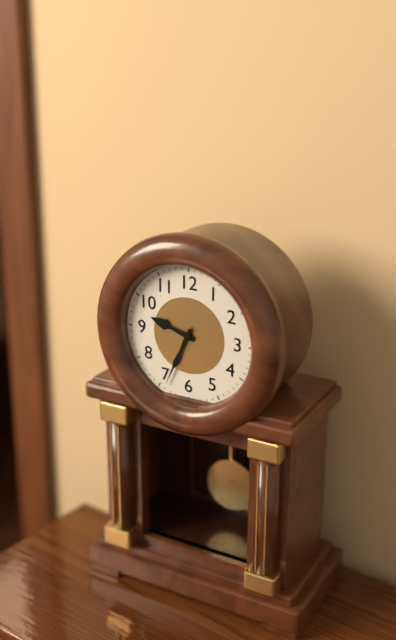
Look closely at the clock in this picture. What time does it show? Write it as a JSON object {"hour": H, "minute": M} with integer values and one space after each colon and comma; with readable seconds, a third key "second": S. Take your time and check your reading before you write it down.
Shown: {"hour": 9, "minute": 34}
